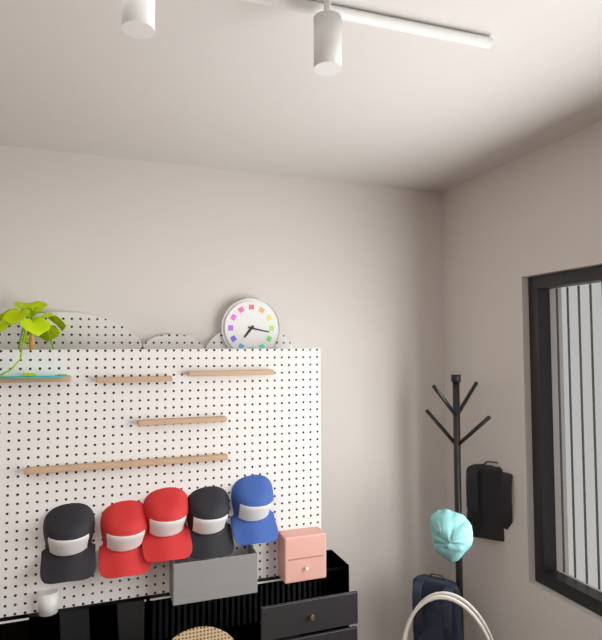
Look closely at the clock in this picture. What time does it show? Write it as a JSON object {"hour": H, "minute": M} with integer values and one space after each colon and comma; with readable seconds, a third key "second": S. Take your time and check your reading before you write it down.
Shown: {"hour": 7, "minute": 17}
